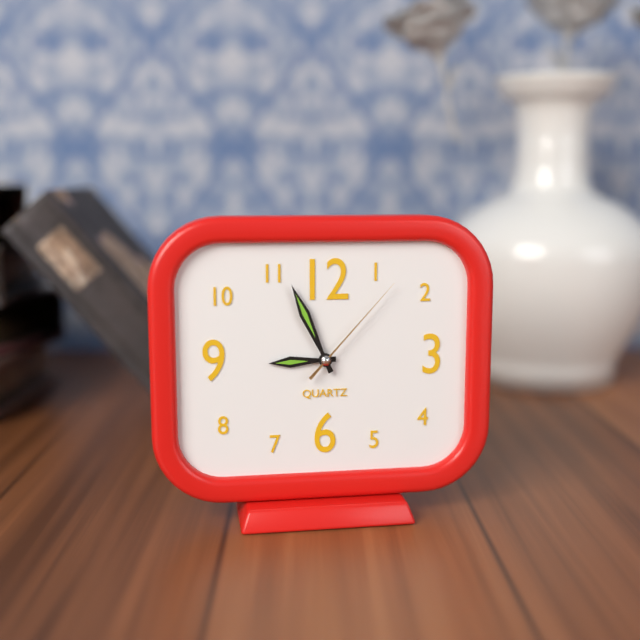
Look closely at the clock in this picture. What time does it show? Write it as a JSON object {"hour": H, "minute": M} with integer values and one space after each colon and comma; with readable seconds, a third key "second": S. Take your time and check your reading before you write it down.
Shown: {"hour": 8, "minute": 56, "second": 7}
